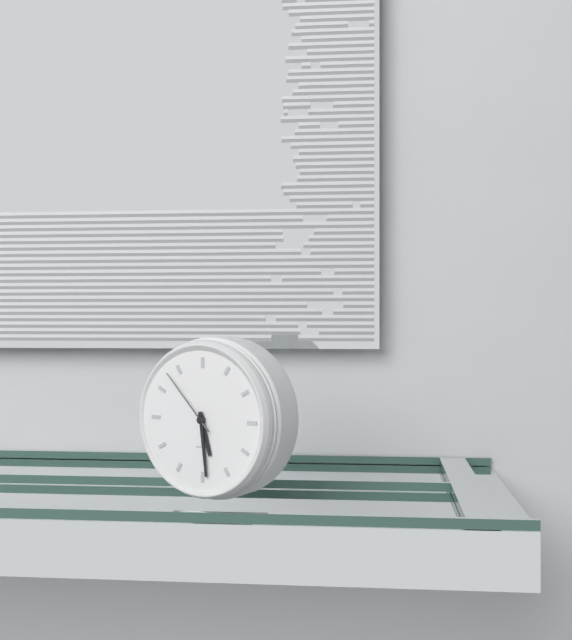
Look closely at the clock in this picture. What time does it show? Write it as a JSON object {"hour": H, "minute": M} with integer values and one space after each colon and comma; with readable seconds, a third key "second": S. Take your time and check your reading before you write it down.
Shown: {"hour": 5, "minute": 29, "second": 53}
